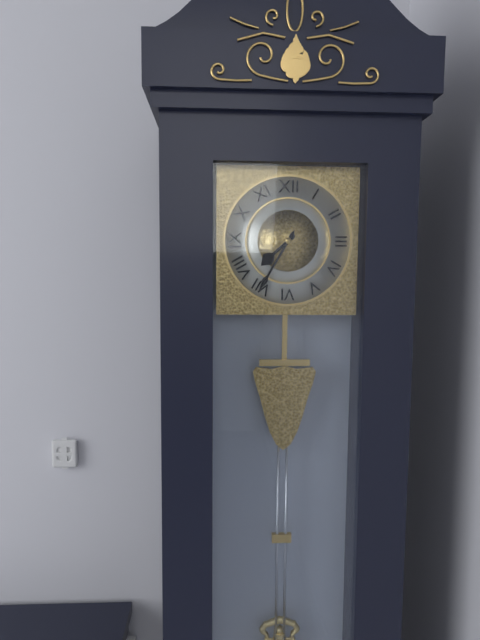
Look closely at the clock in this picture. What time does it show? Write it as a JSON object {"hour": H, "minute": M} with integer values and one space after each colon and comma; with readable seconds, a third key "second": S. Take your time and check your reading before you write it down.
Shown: {"hour": 7, "minute": 35}
